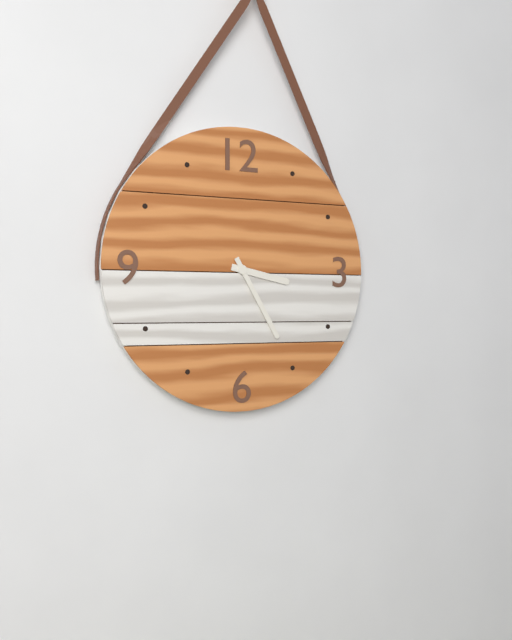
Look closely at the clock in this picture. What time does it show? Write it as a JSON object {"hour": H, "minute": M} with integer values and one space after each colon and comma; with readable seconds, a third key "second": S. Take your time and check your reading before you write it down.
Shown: {"hour": 3, "minute": 25}
